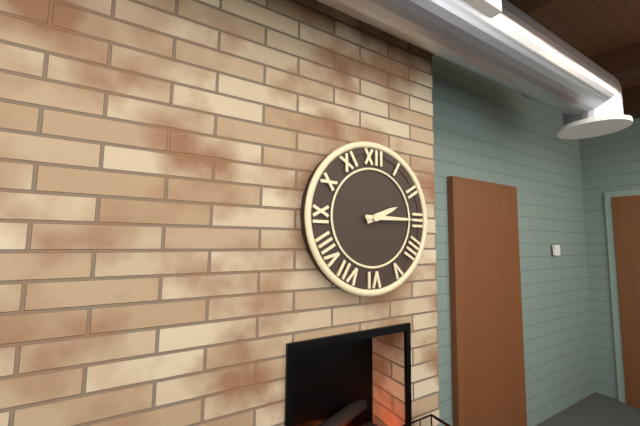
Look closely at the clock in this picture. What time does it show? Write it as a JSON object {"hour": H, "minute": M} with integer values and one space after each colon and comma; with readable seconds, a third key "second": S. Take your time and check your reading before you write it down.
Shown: {"hour": 2, "minute": 15}
